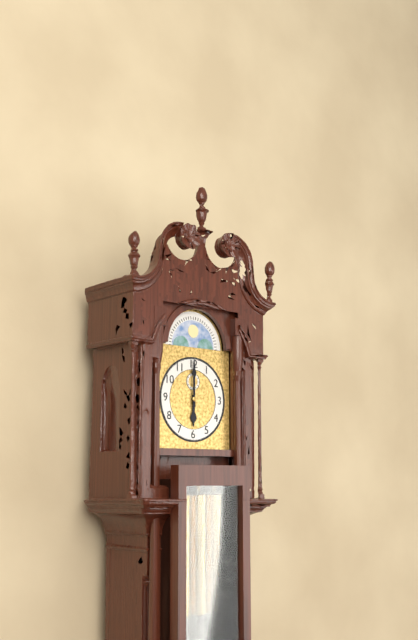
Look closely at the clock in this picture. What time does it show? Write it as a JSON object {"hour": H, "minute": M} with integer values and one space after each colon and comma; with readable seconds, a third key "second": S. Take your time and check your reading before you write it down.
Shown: {"hour": 6, "minute": 0}
